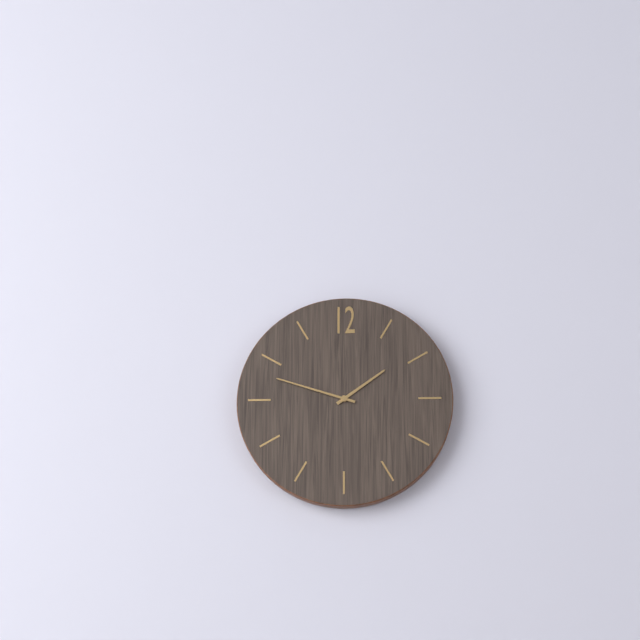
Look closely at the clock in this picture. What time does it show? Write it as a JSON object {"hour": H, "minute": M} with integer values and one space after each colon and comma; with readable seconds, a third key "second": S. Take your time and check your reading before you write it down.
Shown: {"hour": 1, "minute": 48}
